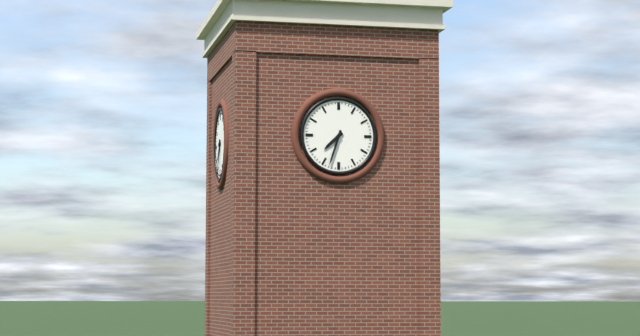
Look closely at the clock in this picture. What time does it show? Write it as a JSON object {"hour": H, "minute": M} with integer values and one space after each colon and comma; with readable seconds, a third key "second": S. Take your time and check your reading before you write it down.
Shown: {"hour": 7, "minute": 33}
